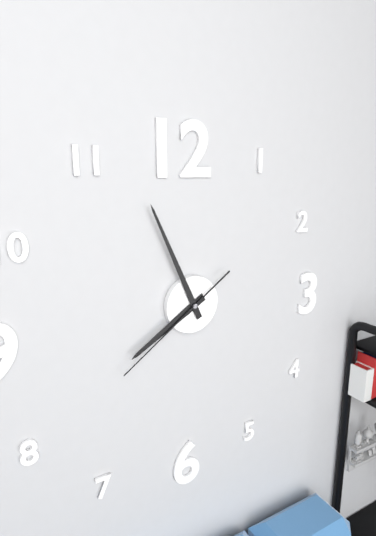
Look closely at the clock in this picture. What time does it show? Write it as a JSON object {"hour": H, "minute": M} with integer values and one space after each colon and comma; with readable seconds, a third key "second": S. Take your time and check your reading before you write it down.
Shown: {"hour": 7, "minute": 56, "second": 39}
